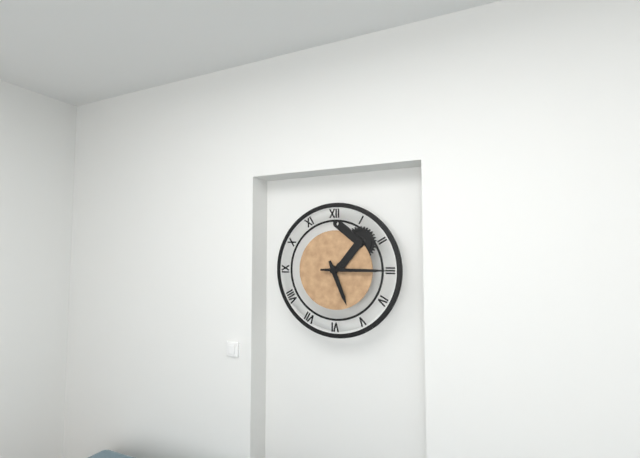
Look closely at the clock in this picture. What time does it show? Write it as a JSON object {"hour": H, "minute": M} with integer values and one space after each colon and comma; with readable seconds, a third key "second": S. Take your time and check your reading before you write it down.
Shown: {"hour": 5, "minute": 15}
